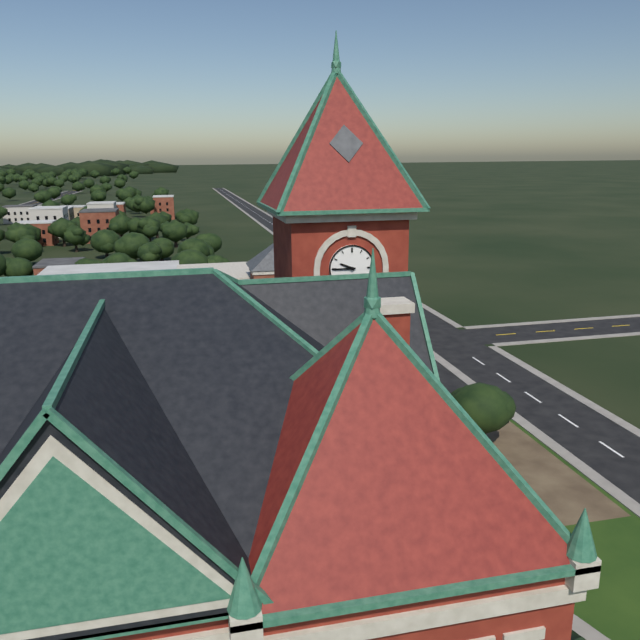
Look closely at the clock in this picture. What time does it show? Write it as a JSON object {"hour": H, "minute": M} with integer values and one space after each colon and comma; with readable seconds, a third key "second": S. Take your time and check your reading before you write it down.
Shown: {"hour": 9, "minute": 45}
